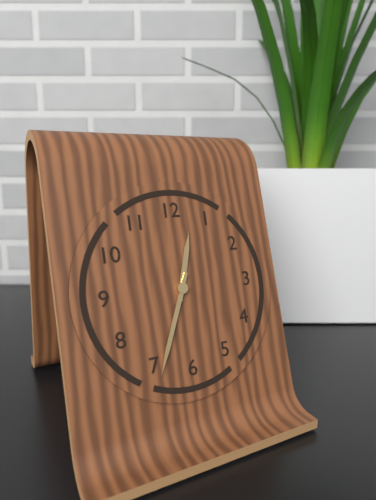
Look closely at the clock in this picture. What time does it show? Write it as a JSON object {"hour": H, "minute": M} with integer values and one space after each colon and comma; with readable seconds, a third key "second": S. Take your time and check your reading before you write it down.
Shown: {"hour": 12, "minute": 34}
